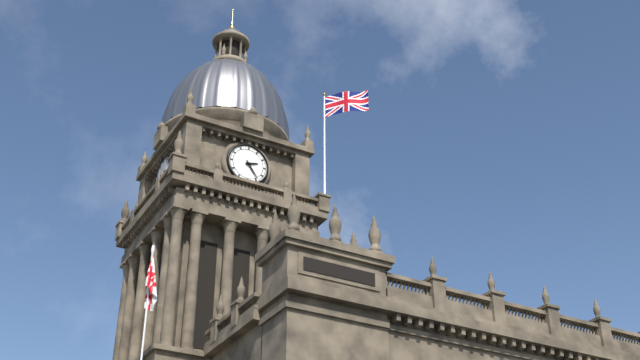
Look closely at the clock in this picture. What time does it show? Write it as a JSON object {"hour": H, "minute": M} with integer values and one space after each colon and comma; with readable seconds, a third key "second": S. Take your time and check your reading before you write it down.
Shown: {"hour": 2, "minute": 24}
